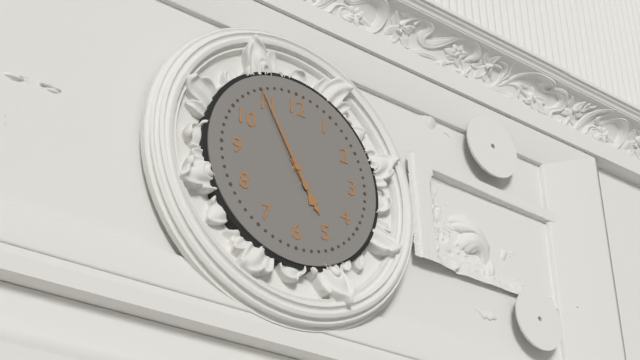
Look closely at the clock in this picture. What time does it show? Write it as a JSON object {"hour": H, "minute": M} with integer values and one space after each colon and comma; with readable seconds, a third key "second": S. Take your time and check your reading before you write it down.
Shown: {"hour": 4, "minute": 55}
